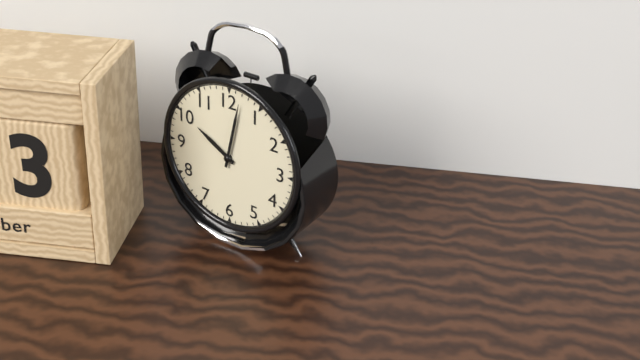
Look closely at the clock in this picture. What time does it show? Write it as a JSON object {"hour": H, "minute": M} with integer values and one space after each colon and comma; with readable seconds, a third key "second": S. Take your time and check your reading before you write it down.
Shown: {"hour": 10, "minute": 2}
